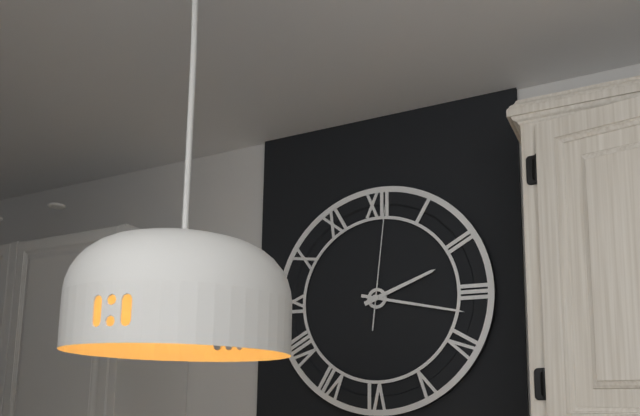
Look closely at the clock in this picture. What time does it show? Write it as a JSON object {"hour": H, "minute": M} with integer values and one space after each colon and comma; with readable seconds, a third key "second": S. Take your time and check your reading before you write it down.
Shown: {"hour": 2, "minute": 17, "second": 1}
